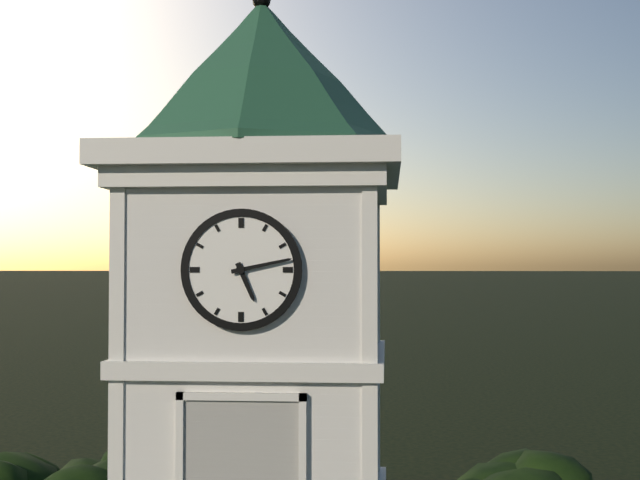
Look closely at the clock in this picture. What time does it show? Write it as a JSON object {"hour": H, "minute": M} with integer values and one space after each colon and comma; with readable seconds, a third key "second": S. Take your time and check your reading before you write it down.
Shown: {"hour": 5, "minute": 13}
